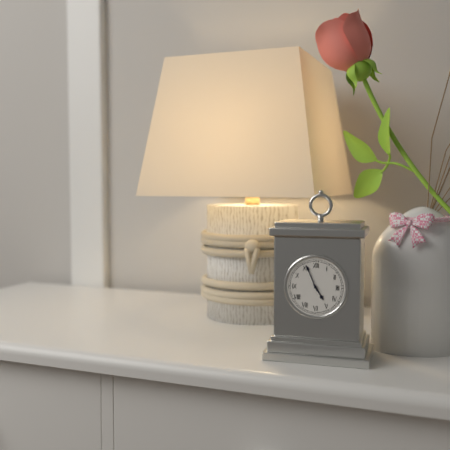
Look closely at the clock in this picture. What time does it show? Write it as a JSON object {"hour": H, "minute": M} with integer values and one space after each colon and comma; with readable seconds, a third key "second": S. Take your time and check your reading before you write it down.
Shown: {"hour": 4, "minute": 56}
